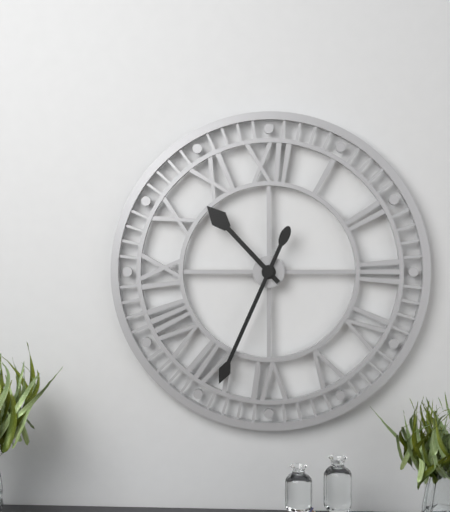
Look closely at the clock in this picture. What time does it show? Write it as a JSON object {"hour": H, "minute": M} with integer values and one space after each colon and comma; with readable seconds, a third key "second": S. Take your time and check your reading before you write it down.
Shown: {"hour": 10, "minute": 34}
